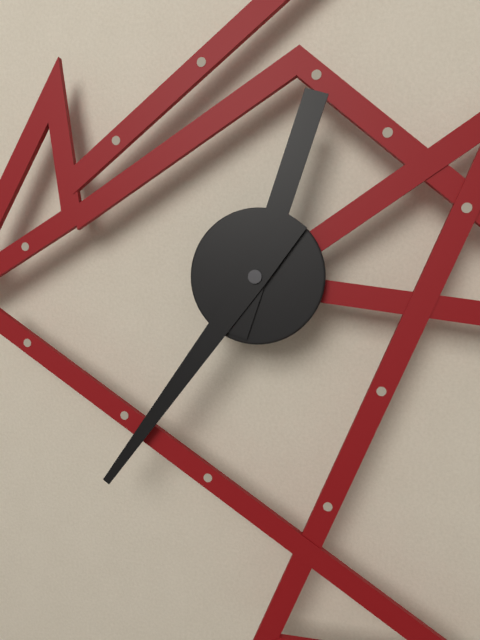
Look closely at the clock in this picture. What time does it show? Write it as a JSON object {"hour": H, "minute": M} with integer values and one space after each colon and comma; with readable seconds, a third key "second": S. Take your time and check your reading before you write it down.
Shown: {"hour": 12, "minute": 36}
